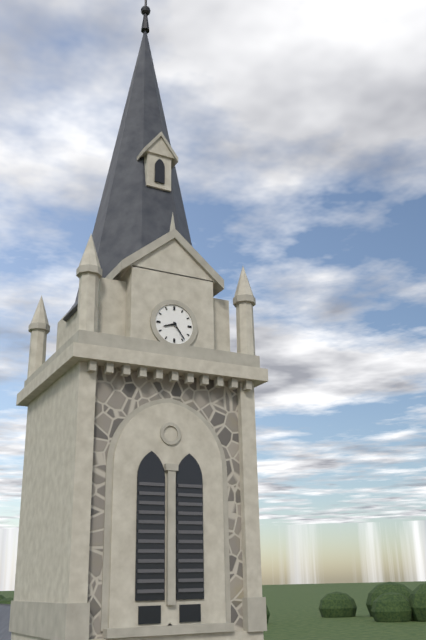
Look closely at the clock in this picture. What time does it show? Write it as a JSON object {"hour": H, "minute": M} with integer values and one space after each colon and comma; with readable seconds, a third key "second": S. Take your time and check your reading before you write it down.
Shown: {"hour": 8, "minute": 24}
